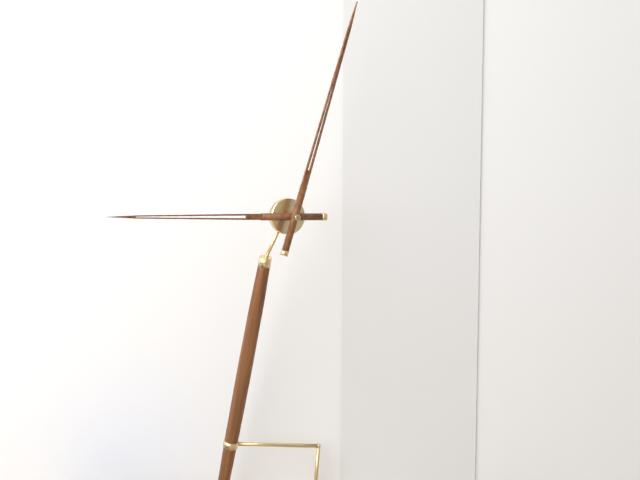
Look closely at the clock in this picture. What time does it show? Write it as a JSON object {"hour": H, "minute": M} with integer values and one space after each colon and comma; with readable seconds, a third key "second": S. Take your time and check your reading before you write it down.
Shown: {"hour": 9, "minute": 3}
